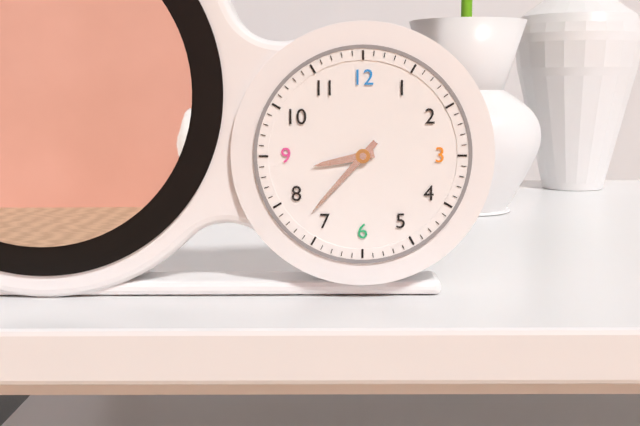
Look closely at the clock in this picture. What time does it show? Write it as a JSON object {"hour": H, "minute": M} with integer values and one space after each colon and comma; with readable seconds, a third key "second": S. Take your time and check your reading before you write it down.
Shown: {"hour": 8, "minute": 37}
